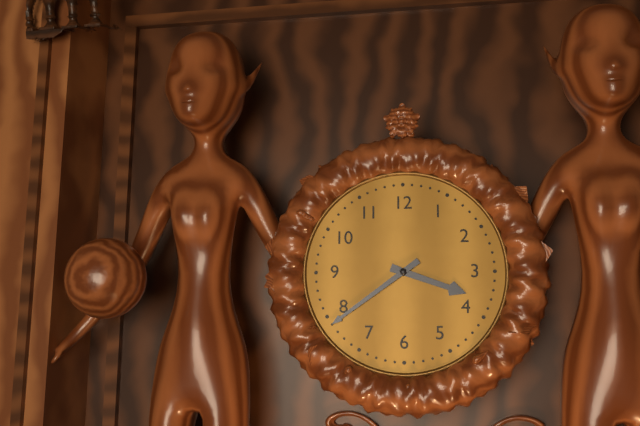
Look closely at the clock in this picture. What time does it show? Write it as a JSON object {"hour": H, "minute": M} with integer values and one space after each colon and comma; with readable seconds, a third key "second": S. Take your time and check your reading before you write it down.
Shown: {"hour": 3, "minute": 39}
